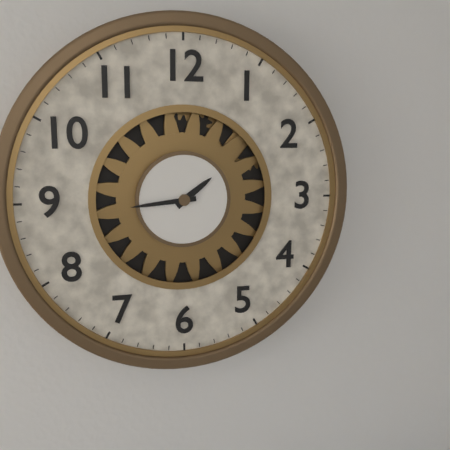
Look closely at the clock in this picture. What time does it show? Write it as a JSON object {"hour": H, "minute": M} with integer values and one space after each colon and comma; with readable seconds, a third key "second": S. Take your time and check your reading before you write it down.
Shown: {"hour": 1, "minute": 44}
